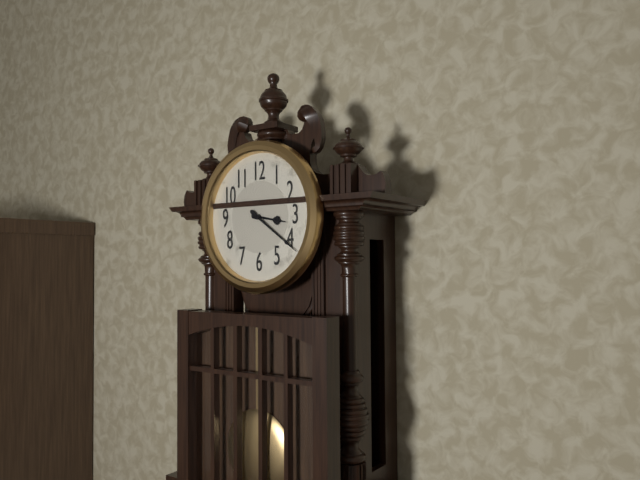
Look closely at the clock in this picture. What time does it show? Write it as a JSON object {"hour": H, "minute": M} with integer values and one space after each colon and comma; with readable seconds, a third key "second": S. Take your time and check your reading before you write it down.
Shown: {"hour": 3, "minute": 21}
